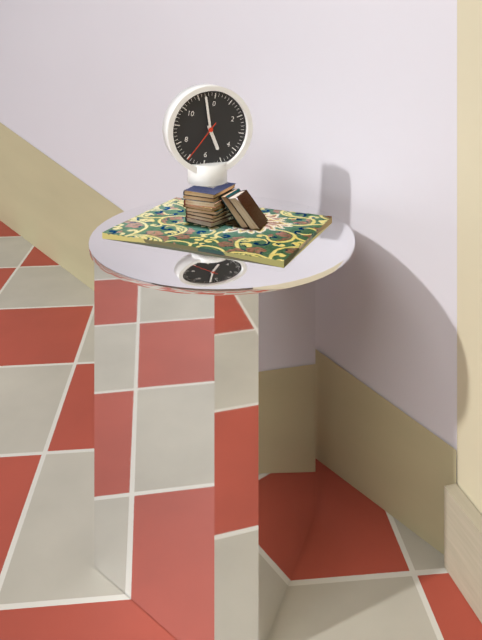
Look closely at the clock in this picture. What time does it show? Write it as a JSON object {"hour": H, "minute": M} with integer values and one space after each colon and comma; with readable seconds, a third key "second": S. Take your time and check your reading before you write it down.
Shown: {"hour": 4, "minute": 57}
